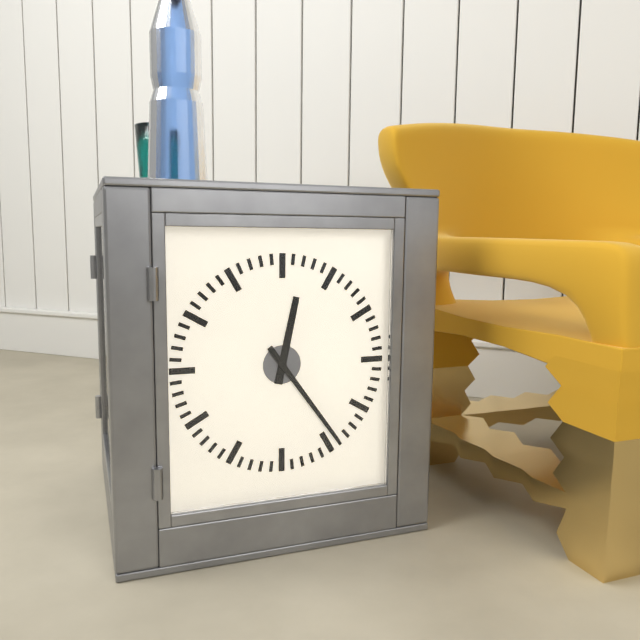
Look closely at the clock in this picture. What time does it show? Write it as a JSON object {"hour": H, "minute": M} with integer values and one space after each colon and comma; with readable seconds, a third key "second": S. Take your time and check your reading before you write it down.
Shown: {"hour": 12, "minute": 24}
